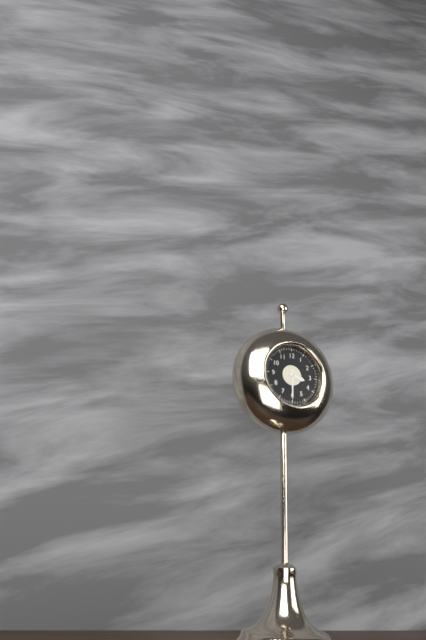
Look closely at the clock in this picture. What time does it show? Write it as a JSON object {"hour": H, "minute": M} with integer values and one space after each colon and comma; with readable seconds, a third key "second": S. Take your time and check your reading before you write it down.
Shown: {"hour": 3, "minute": 30}
